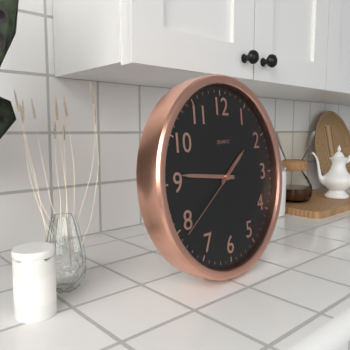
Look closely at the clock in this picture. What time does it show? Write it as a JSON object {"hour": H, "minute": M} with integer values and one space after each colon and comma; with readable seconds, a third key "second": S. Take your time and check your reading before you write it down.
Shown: {"hour": 1, "minute": 46, "second": 39}
